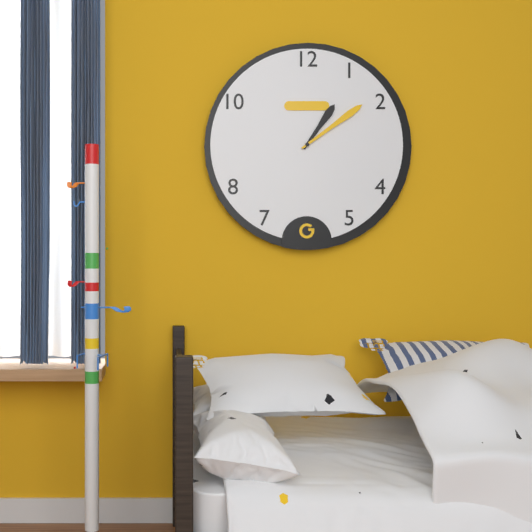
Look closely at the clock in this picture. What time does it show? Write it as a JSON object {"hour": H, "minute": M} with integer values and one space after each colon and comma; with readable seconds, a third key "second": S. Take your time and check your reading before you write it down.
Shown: {"hour": 1, "minute": 9}
